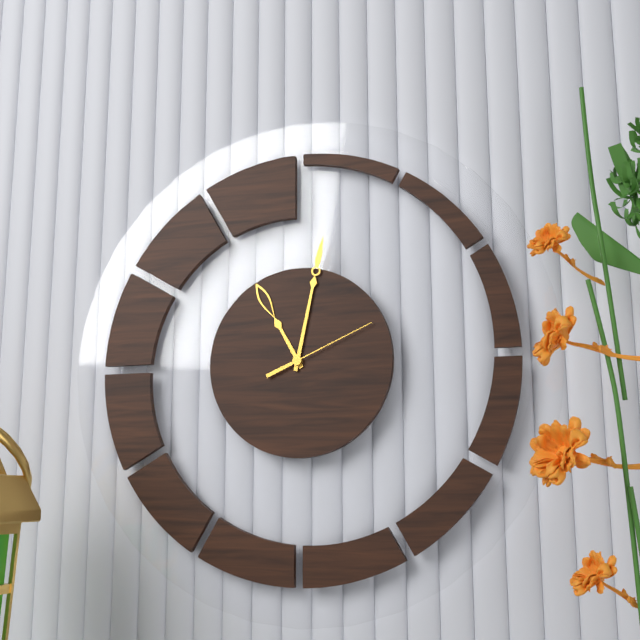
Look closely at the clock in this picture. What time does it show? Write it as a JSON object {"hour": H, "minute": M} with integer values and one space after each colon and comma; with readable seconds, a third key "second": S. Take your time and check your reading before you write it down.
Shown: {"hour": 11, "minute": 2, "second": 11}
